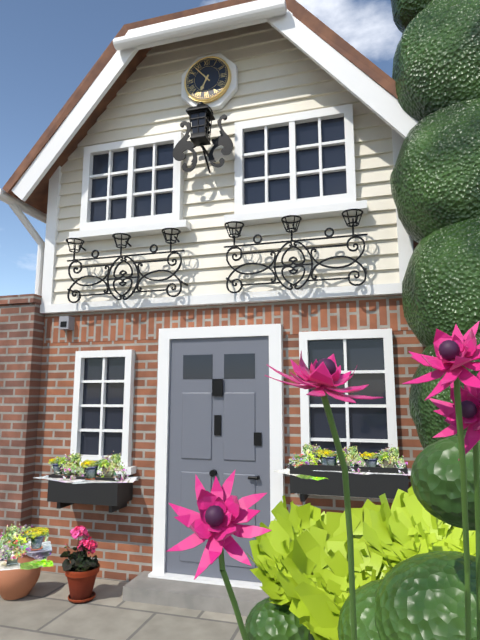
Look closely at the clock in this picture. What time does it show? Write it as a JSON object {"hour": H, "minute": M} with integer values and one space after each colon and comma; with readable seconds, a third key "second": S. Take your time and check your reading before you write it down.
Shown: {"hour": 6, "minute": 53}
